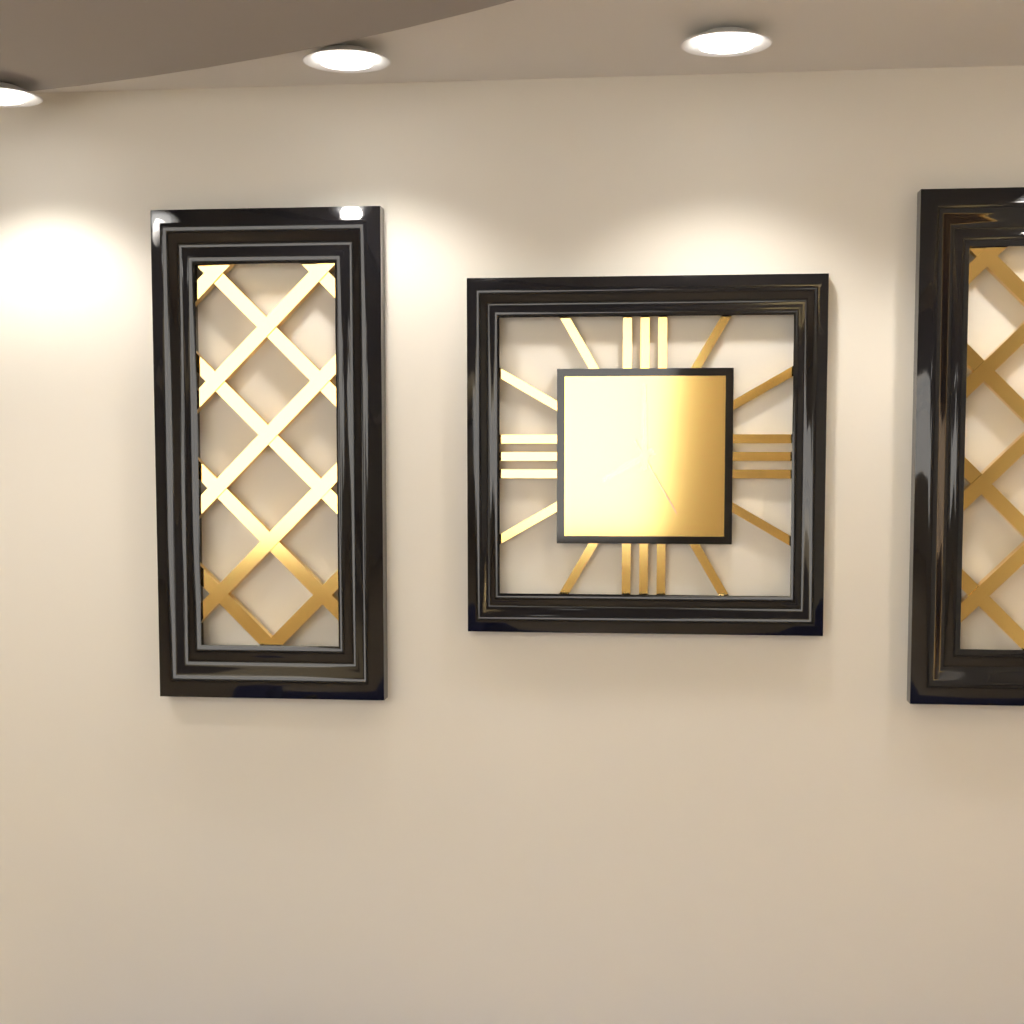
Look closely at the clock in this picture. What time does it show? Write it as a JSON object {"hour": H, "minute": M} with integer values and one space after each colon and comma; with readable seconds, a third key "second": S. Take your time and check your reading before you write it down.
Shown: {"hour": 8, "minute": 0, "second": 25}
